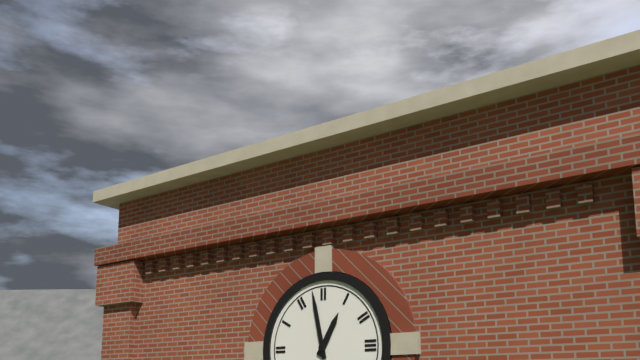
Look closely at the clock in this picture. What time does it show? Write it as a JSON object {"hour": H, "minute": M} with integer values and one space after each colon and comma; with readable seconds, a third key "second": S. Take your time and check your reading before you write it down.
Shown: {"hour": 12, "minute": 58}
